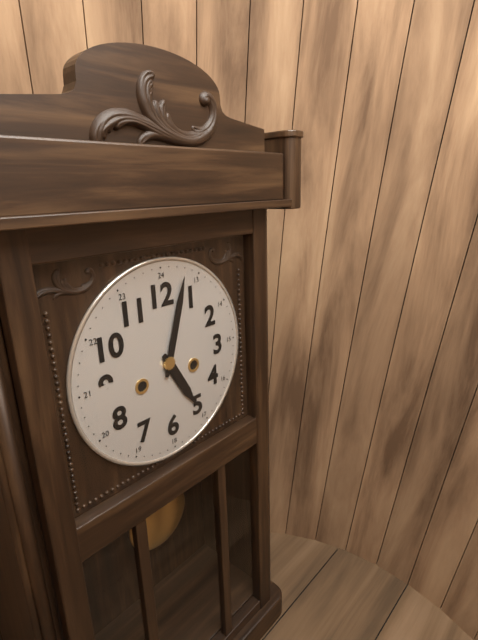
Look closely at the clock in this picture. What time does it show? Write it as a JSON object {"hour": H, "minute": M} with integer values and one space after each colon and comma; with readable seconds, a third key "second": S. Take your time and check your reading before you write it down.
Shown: {"hour": 5, "minute": 3}
